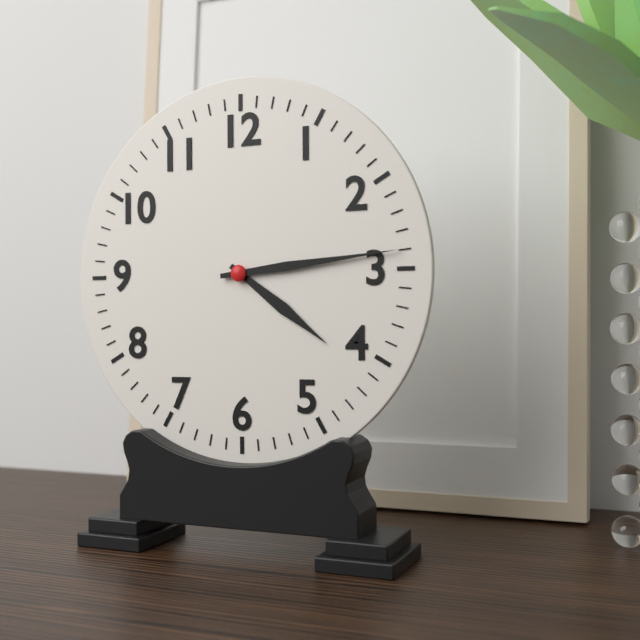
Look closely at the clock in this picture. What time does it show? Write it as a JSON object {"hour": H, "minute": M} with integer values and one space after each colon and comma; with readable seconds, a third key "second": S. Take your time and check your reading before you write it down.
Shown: {"hour": 4, "minute": 14}
